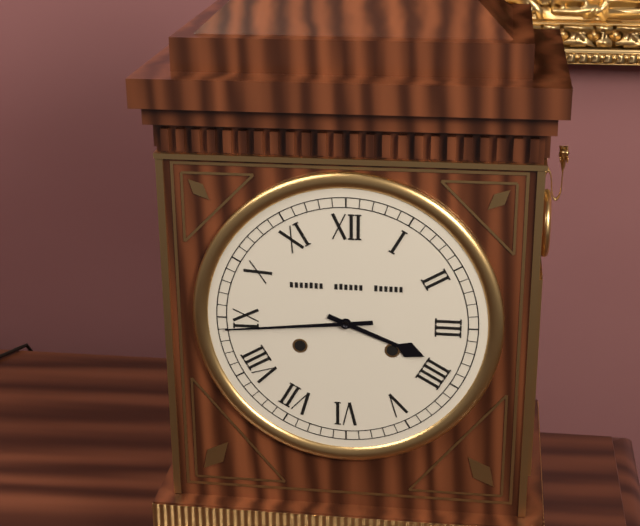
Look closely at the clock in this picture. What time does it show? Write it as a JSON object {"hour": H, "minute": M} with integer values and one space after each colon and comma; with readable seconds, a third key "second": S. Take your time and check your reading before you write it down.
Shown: {"hour": 3, "minute": 44}
